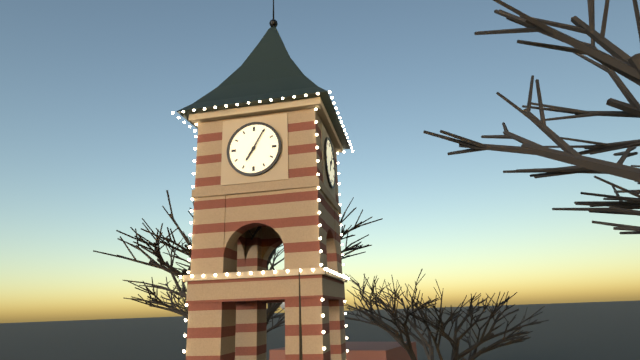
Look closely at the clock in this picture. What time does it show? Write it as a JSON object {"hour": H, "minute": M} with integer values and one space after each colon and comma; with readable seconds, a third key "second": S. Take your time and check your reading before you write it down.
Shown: {"hour": 7, "minute": 5}
